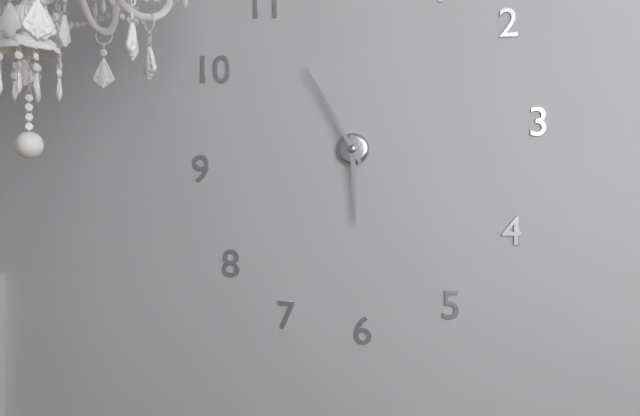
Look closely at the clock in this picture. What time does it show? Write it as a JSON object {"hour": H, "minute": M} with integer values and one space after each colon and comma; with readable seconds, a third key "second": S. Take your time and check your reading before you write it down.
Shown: {"hour": 5, "minute": 55}
